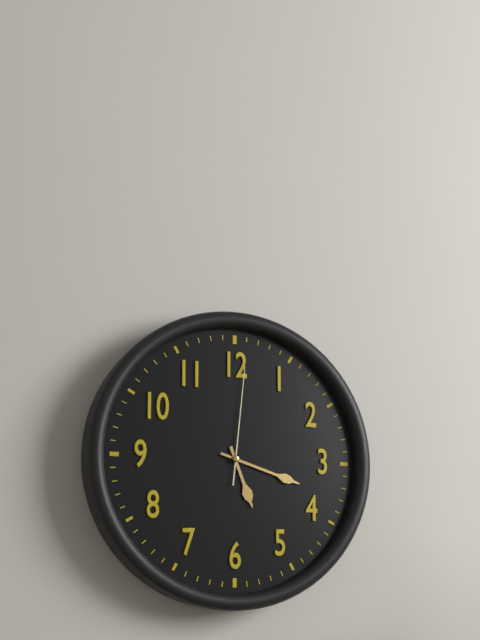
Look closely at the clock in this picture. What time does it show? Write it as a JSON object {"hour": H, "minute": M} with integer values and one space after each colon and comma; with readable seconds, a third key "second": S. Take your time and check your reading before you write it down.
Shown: {"hour": 5, "minute": 18, "second": 1}
